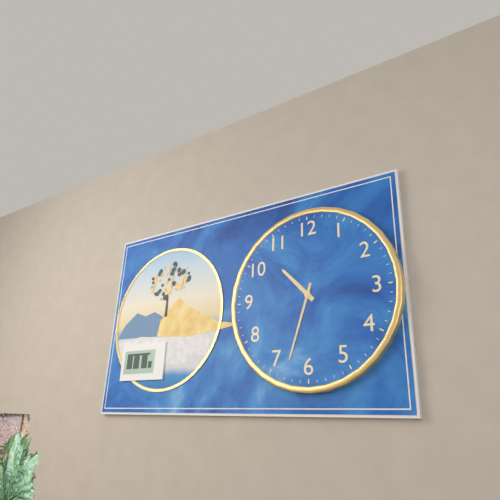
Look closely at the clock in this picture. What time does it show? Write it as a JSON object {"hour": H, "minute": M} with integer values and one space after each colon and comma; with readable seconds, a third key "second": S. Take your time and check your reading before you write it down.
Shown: {"hour": 10, "minute": 33}
